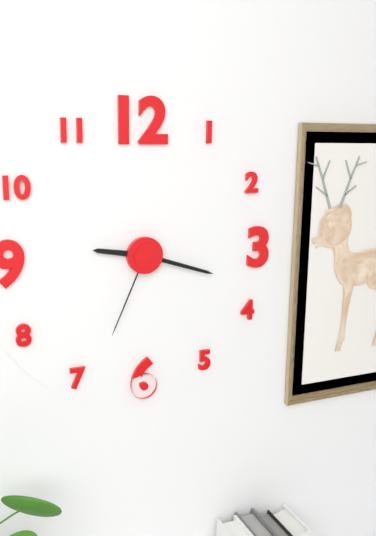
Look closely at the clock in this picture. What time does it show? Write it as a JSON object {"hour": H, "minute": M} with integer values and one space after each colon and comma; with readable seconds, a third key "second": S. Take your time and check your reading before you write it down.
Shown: {"hour": 9, "minute": 18, "second": 34}
